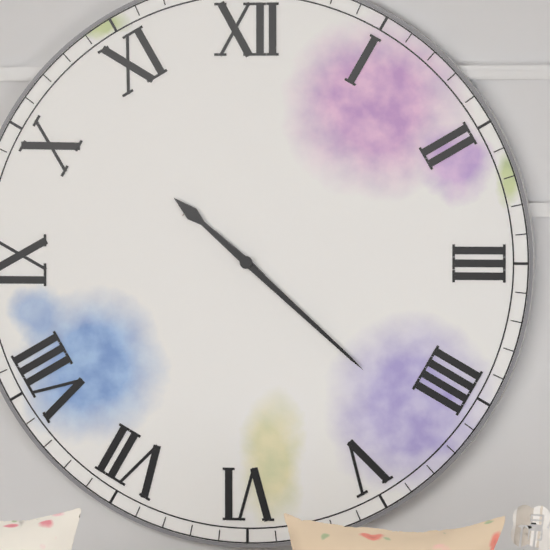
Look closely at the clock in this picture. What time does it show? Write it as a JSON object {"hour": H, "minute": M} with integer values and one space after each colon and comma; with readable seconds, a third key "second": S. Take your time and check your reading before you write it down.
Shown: {"hour": 10, "minute": 22}
